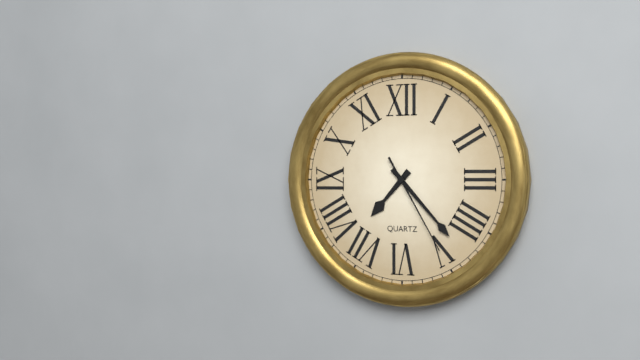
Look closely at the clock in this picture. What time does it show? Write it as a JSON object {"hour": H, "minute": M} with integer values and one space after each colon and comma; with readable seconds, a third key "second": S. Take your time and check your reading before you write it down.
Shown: {"hour": 7, "minute": 23, "second": 25}
